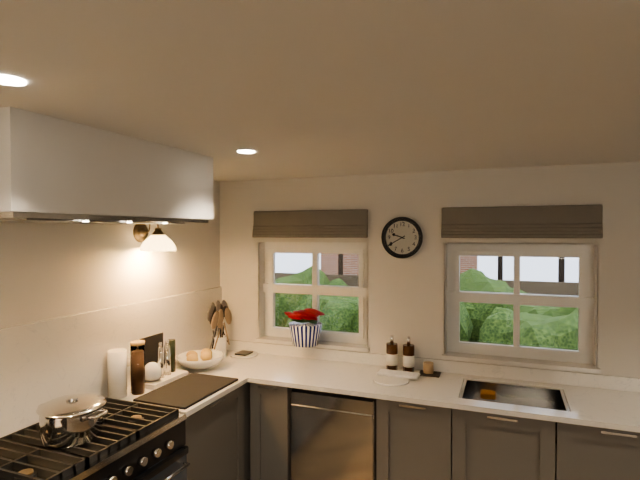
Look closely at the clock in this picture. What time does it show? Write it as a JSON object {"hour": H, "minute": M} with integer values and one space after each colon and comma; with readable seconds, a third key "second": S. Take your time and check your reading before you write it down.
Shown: {"hour": 9, "minute": 40}
